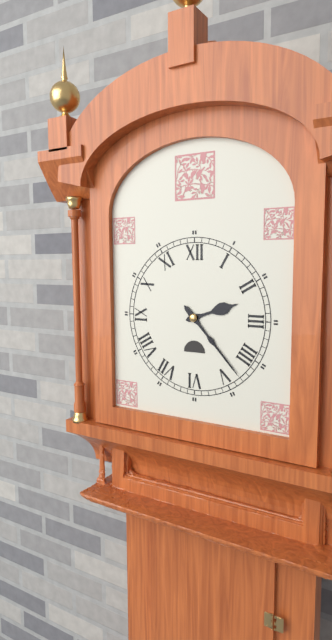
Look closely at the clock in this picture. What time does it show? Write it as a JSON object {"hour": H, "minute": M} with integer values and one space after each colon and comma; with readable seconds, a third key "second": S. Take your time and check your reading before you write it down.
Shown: {"hour": 2, "minute": 23}
